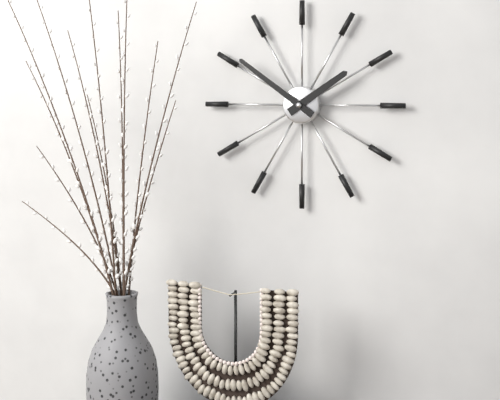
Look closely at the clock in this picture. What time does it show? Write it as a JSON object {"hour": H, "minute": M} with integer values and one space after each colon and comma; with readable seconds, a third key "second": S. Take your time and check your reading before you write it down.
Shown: {"hour": 1, "minute": 51}
